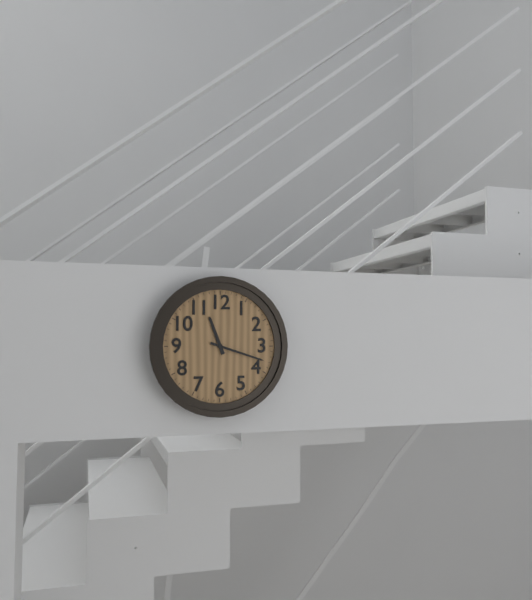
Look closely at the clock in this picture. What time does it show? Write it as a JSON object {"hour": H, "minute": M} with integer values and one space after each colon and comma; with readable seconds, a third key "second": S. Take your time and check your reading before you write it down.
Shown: {"hour": 11, "minute": 18}
